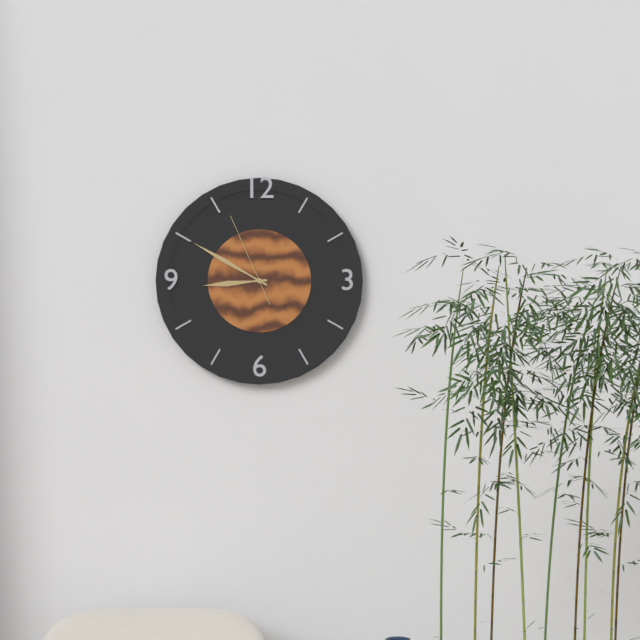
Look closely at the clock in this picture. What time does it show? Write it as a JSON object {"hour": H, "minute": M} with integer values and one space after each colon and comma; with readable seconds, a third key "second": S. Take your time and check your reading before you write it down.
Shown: {"hour": 8, "minute": 50, "second": 56}
